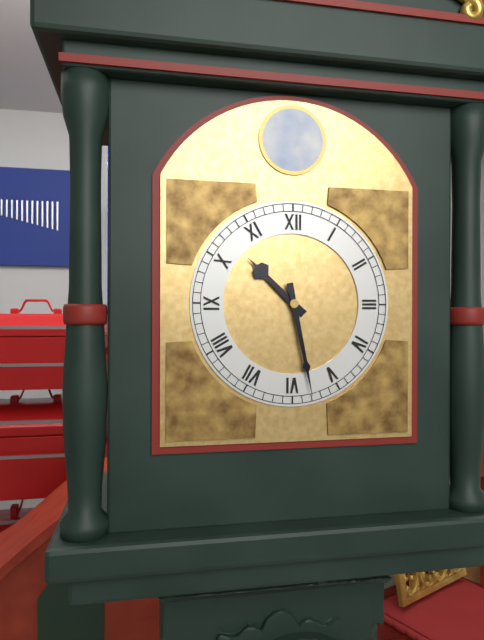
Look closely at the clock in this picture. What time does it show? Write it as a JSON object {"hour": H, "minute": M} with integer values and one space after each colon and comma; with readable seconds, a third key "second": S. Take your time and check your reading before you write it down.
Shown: {"hour": 10, "minute": 28}
